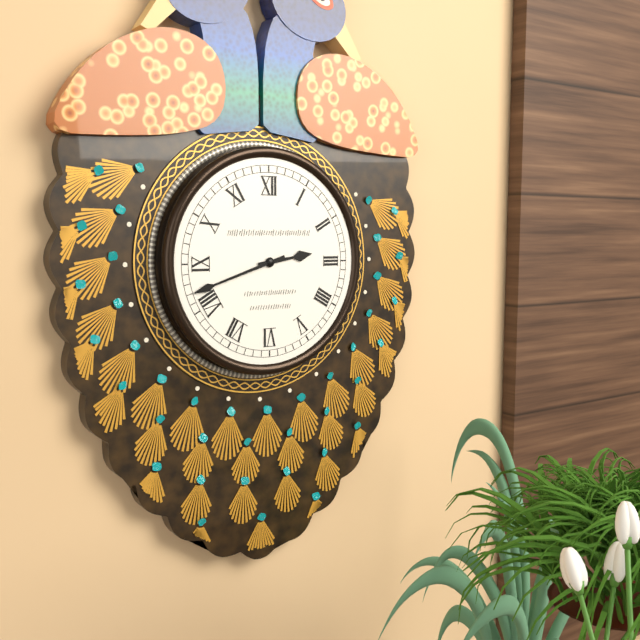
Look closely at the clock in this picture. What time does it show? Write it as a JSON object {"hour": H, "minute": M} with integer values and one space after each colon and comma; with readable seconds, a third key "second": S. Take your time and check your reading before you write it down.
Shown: {"hour": 2, "minute": 42}
